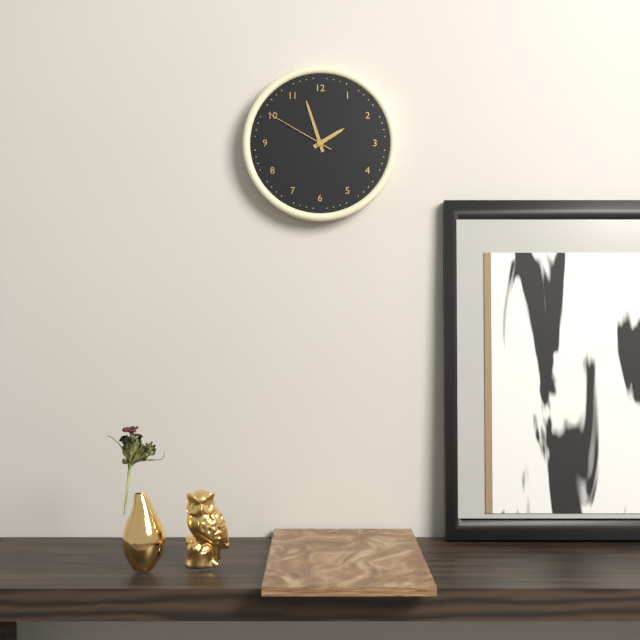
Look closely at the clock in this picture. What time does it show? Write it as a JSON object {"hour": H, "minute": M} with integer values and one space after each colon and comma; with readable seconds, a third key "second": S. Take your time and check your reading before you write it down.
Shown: {"hour": 1, "minute": 57, "second": 50}
